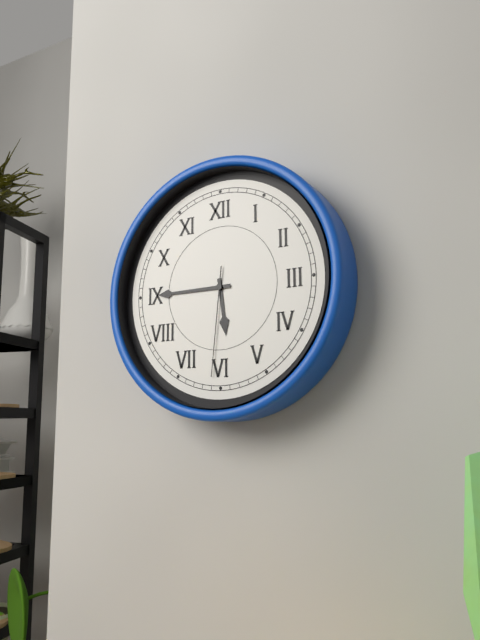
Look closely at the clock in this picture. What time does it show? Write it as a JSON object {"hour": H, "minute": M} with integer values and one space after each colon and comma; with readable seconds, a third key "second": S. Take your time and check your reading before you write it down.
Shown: {"hour": 5, "minute": 45, "second": 31}
